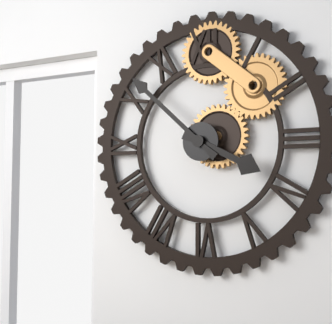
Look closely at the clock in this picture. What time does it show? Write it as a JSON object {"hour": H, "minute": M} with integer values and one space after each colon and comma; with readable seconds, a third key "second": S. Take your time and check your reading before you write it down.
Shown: {"hour": 3, "minute": 52}
